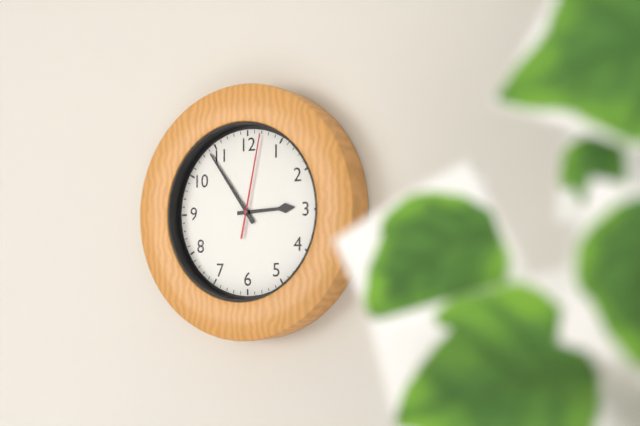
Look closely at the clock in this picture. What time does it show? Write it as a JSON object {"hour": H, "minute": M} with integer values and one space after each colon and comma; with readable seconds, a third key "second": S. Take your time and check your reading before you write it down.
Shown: {"hour": 2, "minute": 54, "second": 2}
